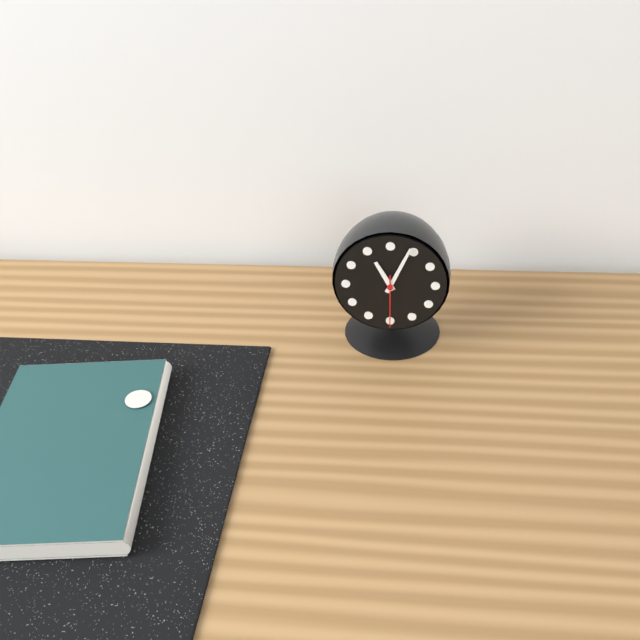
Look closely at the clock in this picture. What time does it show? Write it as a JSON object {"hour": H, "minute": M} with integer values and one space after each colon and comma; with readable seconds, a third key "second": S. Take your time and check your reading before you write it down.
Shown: {"hour": 11, "minute": 4, "second": 30}
